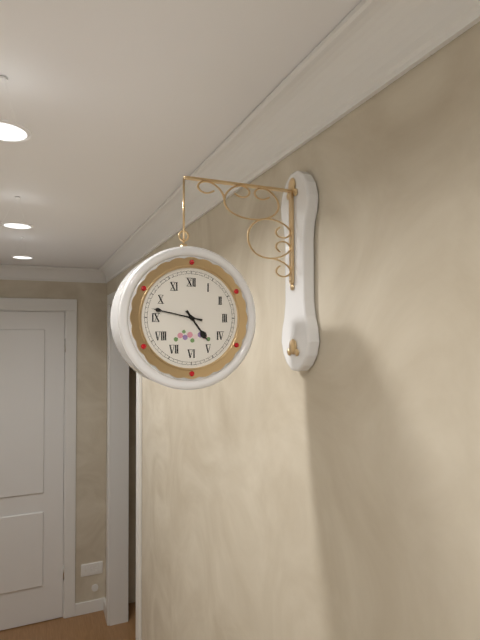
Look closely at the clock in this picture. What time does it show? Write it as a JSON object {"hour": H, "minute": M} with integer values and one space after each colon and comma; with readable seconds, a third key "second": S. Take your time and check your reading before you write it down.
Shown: {"hour": 4, "minute": 47}
